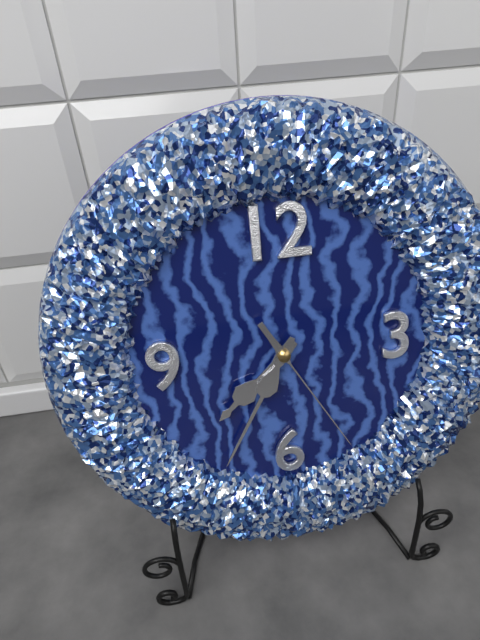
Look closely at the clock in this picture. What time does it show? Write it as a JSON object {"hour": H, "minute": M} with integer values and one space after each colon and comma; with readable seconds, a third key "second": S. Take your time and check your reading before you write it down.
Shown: {"hour": 7, "minute": 35, "second": 25}
